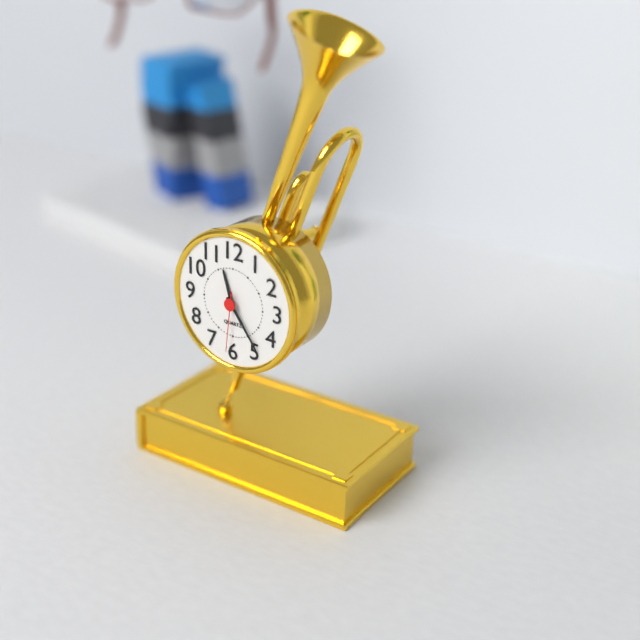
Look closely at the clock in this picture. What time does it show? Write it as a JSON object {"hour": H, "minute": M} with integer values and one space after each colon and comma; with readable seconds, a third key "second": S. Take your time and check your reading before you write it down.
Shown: {"hour": 11, "minute": 24, "second": 31}
